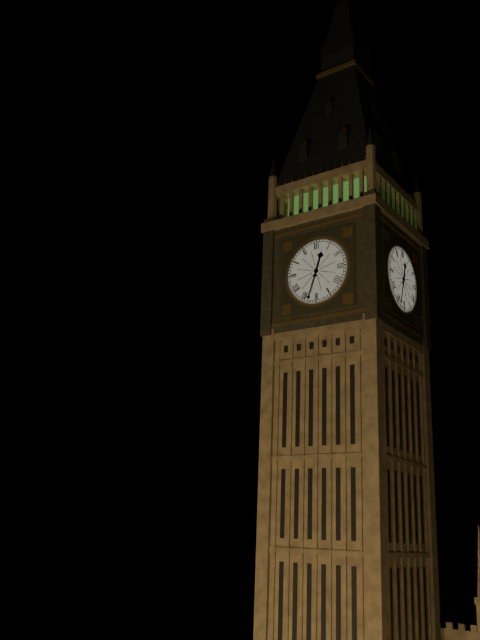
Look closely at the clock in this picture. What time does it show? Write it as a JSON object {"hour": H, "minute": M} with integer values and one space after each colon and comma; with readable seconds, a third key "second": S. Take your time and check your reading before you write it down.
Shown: {"hour": 12, "minute": 33}
